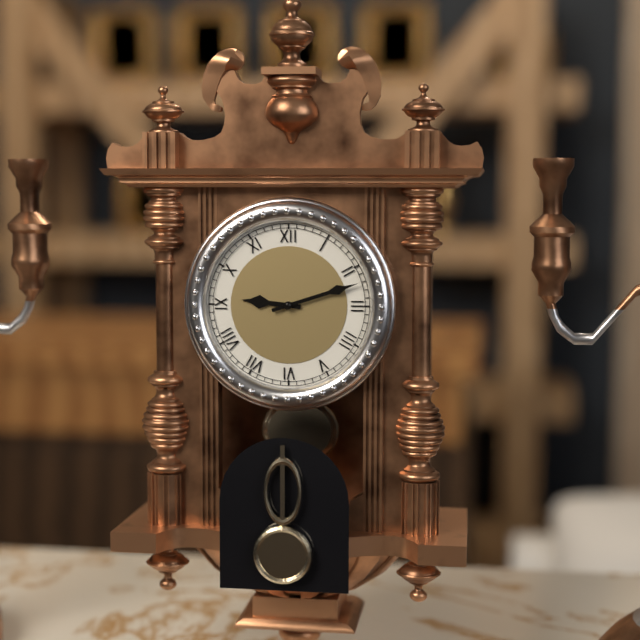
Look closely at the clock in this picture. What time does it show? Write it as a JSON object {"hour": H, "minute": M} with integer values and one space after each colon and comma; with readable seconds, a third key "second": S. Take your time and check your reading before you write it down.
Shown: {"hour": 9, "minute": 12}
